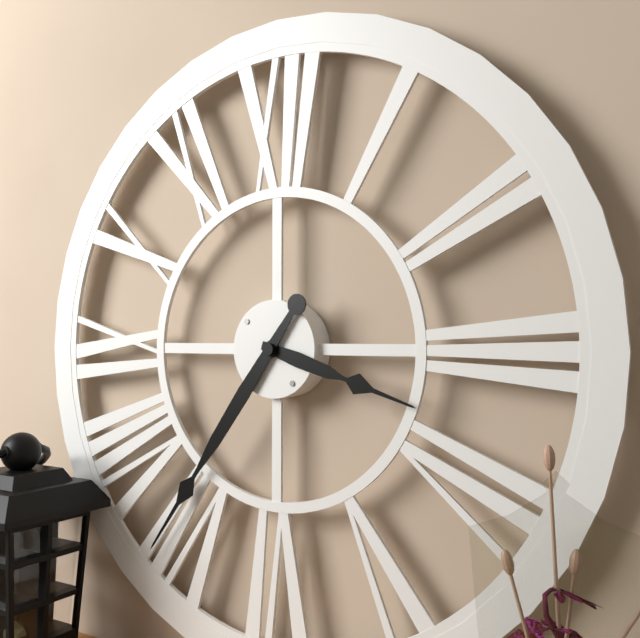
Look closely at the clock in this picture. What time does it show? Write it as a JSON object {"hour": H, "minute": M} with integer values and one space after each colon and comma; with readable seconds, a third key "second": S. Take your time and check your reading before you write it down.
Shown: {"hour": 3, "minute": 36}
